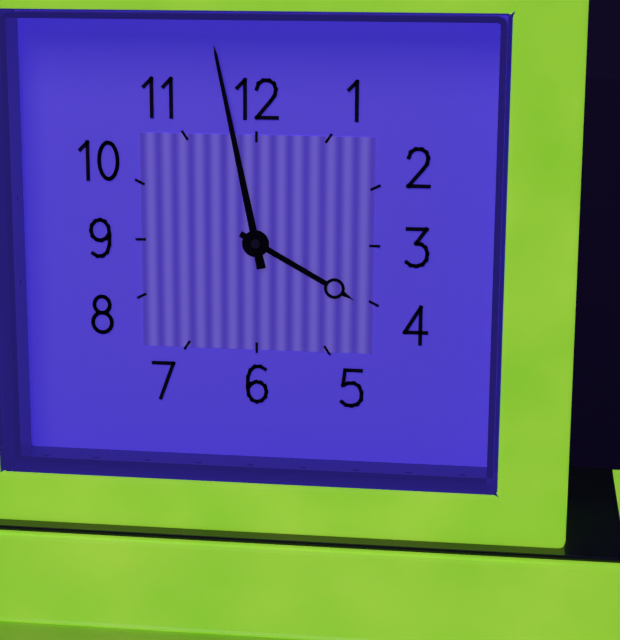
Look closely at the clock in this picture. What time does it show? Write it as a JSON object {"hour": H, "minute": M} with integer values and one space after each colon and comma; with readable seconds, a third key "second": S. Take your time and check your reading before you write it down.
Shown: {"hour": 3, "minute": 58}
